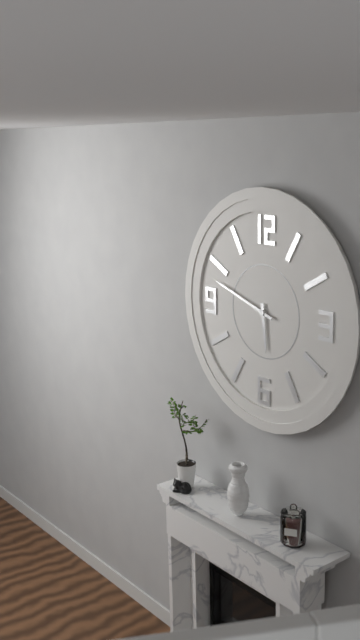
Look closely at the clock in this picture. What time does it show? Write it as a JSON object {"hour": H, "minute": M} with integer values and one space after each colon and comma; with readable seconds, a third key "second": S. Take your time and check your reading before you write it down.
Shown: {"hour": 5, "minute": 48}
